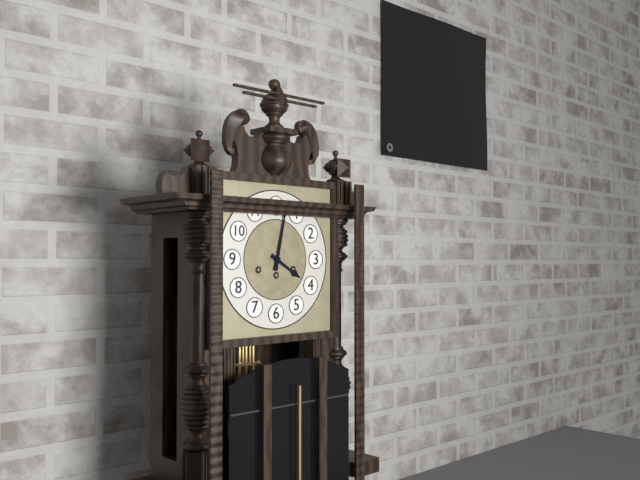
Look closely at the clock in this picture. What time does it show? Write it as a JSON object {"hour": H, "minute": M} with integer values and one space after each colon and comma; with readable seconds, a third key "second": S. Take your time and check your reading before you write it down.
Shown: {"hour": 4, "minute": 2}
